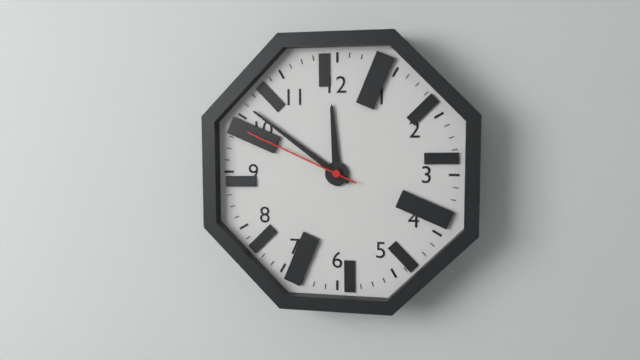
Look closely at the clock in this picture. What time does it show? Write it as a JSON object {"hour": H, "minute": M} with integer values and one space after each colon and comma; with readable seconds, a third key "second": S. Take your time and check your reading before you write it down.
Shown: {"hour": 11, "minute": 51, "second": 49}
